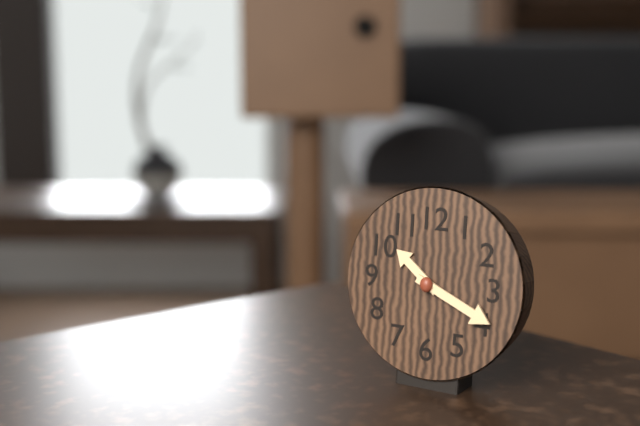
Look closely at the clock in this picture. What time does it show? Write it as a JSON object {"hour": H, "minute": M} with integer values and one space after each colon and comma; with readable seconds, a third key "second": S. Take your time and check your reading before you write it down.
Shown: {"hour": 10, "minute": 19}
